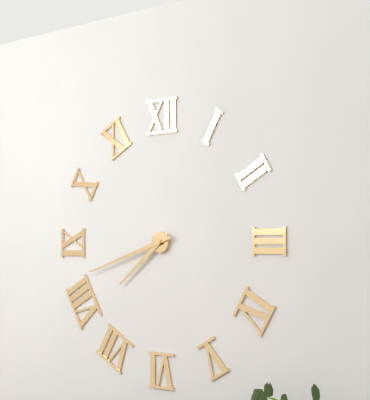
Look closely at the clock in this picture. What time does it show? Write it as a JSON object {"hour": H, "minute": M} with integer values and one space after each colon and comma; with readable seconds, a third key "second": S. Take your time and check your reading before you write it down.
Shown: {"hour": 7, "minute": 42}
